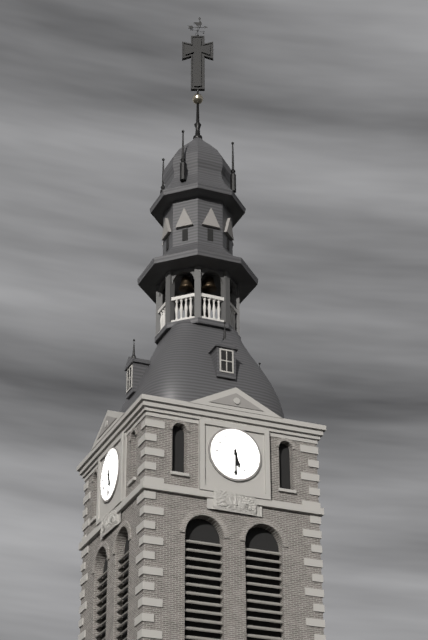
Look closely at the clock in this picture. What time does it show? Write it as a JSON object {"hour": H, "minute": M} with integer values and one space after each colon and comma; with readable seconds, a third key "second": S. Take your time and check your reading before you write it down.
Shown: {"hour": 5, "minute": 30}
